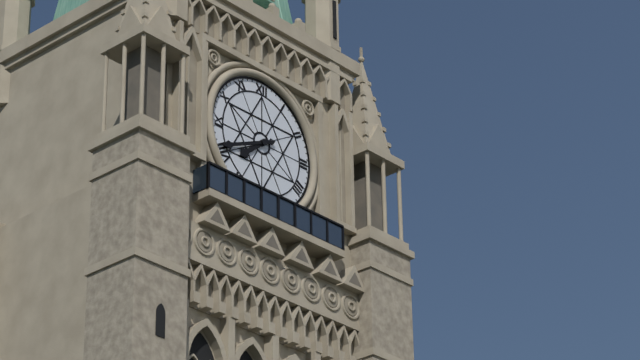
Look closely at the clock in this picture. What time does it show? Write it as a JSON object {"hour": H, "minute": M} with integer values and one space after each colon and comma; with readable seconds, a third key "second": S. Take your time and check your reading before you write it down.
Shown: {"hour": 7, "minute": 41}
